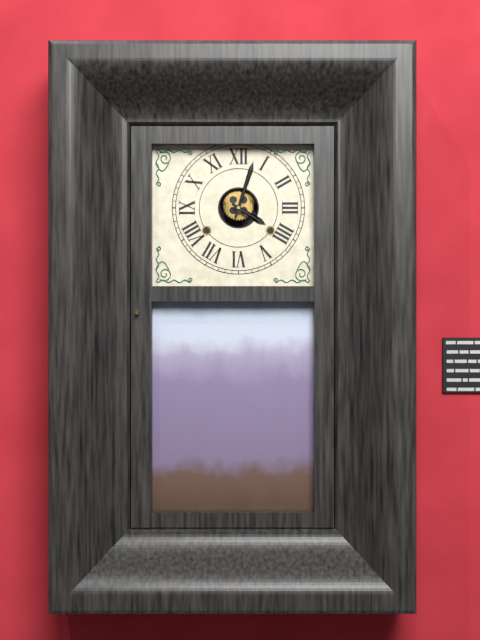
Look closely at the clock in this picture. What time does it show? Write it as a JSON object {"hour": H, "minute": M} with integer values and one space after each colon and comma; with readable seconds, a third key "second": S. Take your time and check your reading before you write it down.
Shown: {"hour": 4, "minute": 3}
